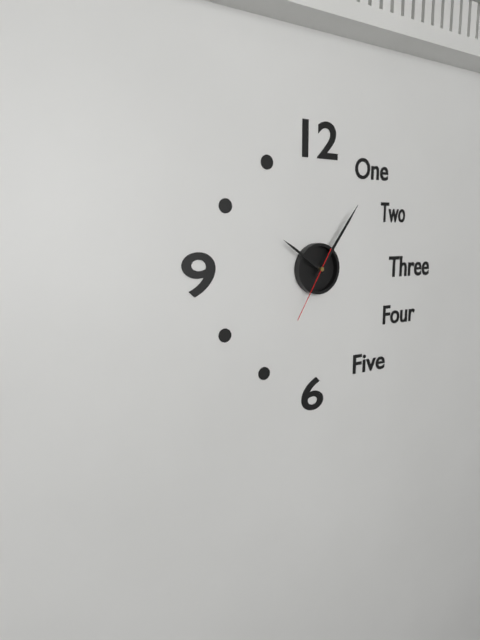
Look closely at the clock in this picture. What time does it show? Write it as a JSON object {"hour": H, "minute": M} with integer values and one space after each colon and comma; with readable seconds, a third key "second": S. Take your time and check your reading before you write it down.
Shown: {"hour": 10, "minute": 6, "second": 35}
